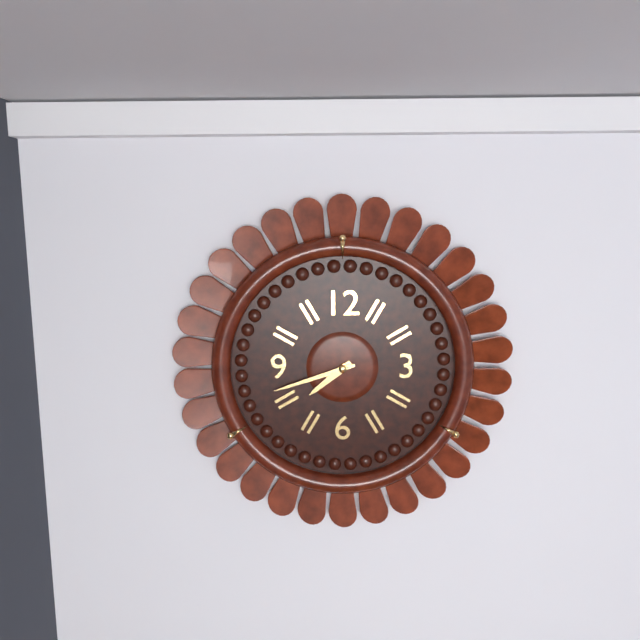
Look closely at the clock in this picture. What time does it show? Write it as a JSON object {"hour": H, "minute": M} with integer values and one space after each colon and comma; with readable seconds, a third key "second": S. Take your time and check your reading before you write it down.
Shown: {"hour": 7, "minute": 42}
